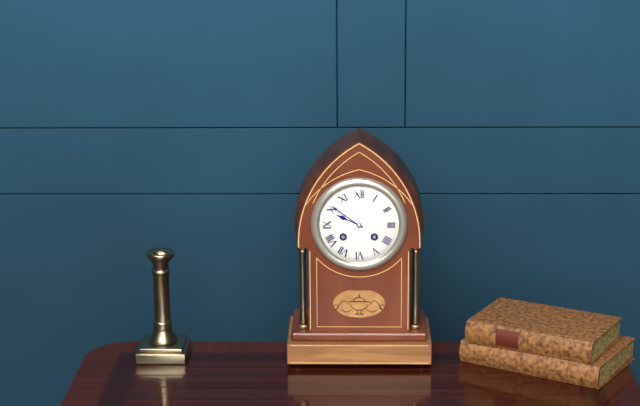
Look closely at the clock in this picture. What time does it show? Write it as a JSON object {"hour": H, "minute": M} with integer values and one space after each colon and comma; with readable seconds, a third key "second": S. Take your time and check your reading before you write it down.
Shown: {"hour": 9, "minute": 51}
